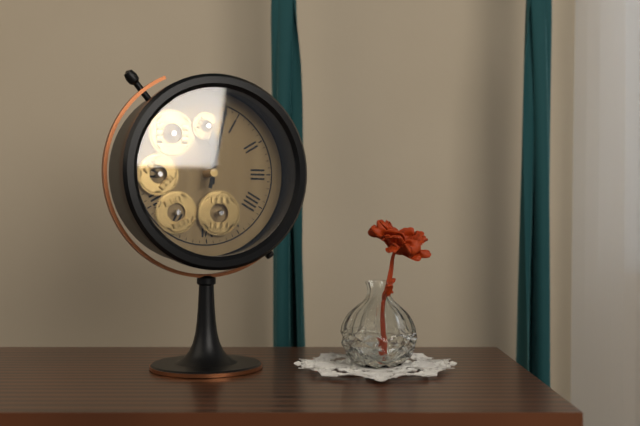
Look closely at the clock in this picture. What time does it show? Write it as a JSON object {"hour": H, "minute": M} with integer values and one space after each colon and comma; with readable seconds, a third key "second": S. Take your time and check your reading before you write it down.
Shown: {"hour": 12, "minute": 2}
